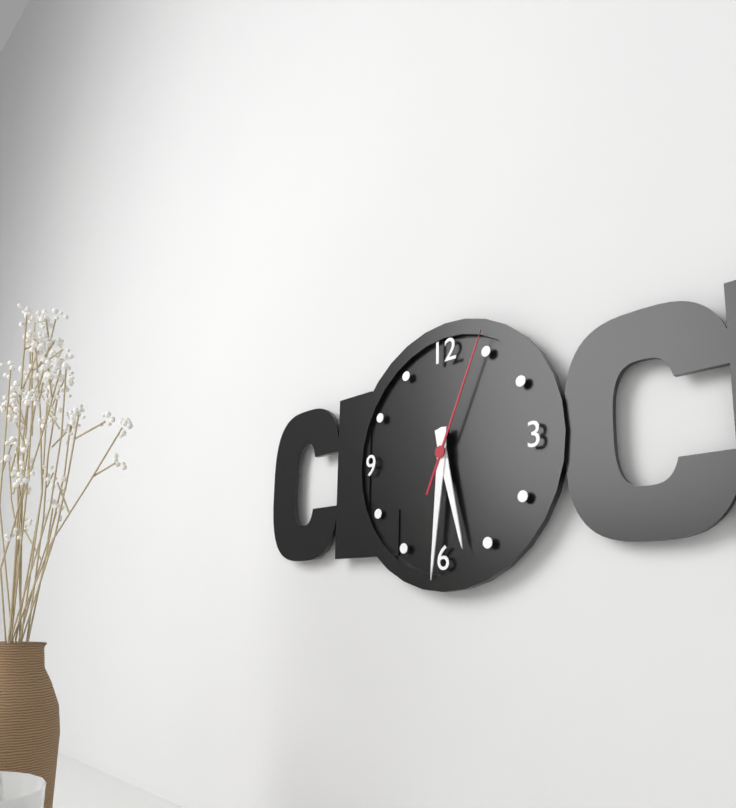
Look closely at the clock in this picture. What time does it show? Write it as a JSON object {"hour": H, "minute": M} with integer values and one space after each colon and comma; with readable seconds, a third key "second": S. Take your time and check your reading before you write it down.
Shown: {"hour": 5, "minute": 31, "second": 4}
